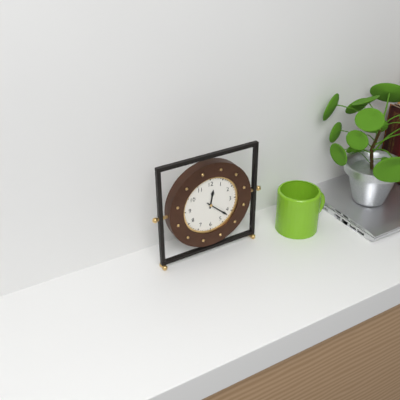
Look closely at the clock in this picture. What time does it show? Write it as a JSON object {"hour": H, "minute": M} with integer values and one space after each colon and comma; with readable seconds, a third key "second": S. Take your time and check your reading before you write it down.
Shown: {"hour": 12, "minute": 22}
